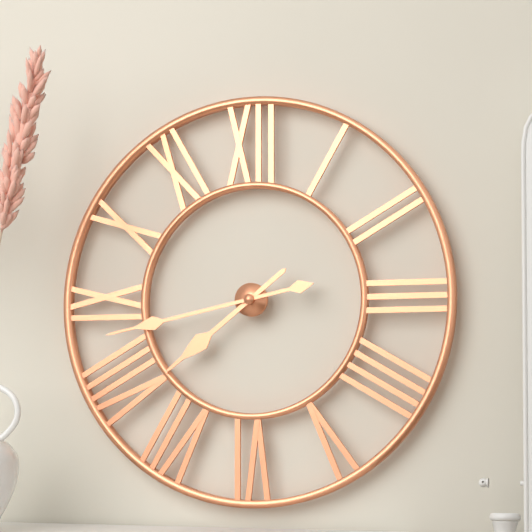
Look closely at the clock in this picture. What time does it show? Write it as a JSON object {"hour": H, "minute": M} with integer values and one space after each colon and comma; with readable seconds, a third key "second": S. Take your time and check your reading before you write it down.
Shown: {"hour": 7, "minute": 43}
